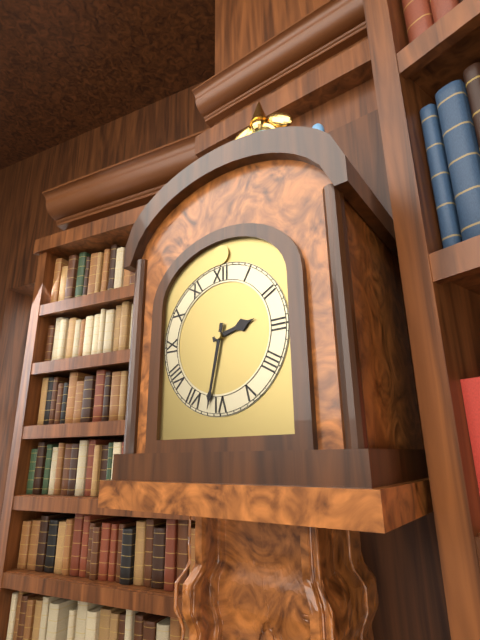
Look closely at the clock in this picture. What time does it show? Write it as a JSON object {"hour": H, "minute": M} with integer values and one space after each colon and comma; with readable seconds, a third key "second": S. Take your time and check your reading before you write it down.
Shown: {"hour": 2, "minute": 32}
